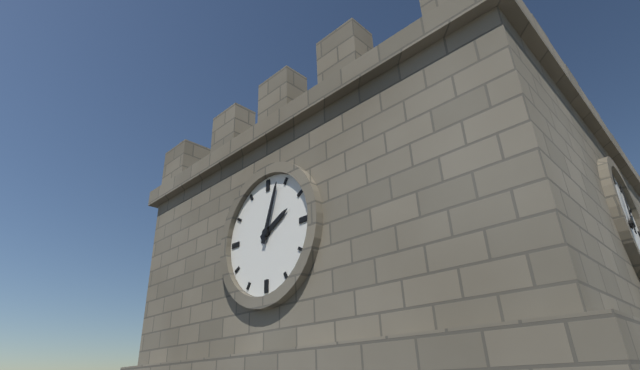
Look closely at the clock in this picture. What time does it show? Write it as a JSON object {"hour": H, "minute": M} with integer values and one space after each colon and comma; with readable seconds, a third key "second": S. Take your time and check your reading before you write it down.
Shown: {"hour": 2, "minute": 3}
